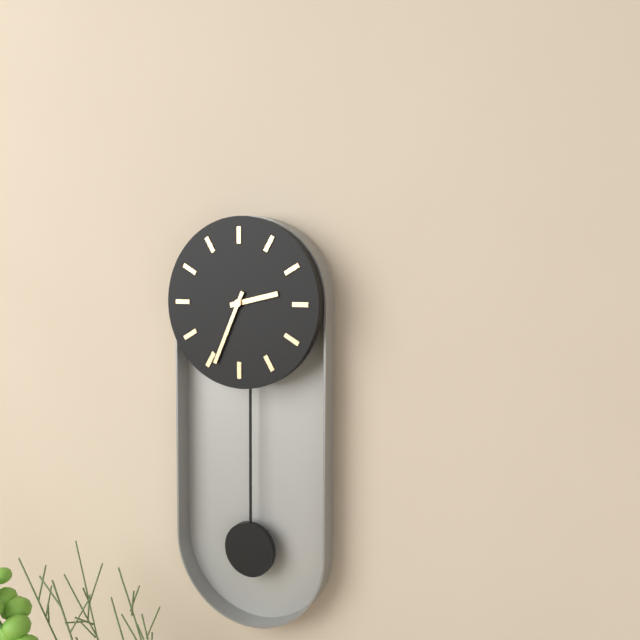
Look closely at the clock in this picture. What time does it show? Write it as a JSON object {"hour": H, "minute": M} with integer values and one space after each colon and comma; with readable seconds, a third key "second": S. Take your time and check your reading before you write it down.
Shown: {"hour": 2, "minute": 34}
